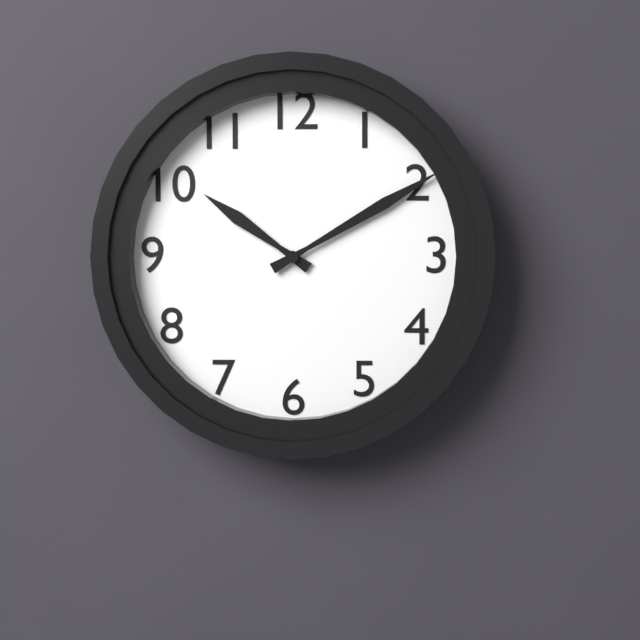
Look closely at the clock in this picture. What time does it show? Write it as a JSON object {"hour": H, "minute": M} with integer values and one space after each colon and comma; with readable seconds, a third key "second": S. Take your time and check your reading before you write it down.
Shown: {"hour": 10, "minute": 10}
